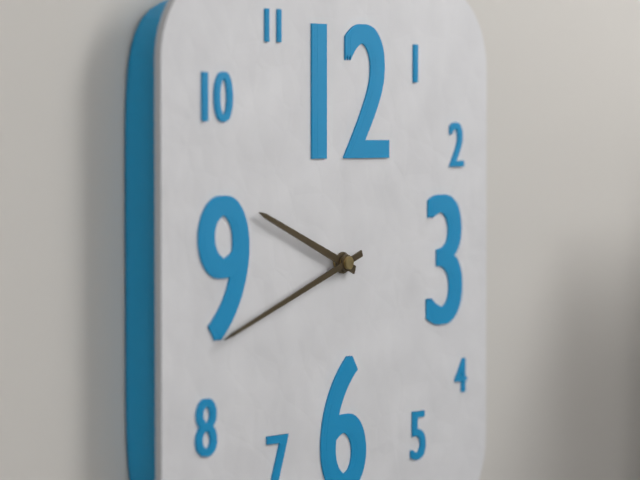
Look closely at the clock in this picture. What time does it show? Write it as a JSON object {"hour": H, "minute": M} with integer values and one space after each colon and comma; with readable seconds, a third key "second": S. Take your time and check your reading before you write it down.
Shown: {"hour": 9, "minute": 42}
